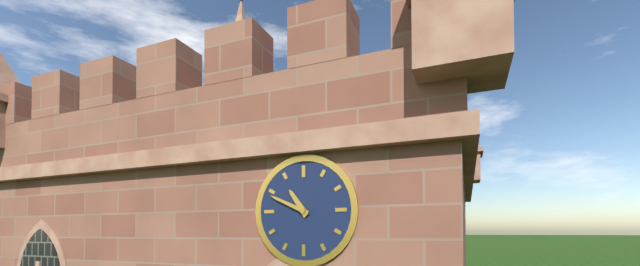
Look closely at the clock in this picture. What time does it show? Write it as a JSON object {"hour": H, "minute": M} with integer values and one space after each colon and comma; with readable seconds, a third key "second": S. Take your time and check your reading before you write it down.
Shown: {"hour": 10, "minute": 49}
